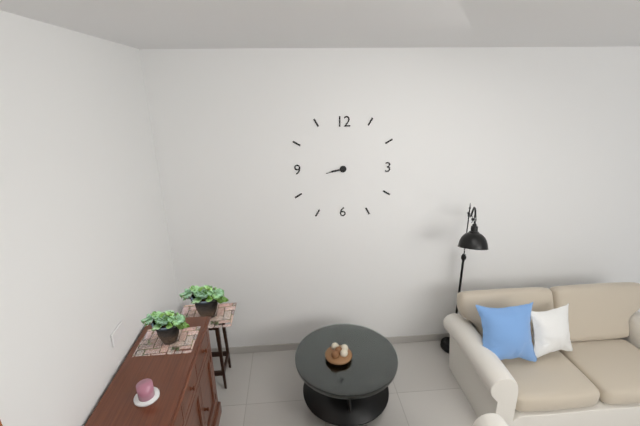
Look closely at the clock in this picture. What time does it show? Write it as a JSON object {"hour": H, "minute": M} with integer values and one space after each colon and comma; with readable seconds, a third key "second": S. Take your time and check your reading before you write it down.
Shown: {"hour": 8, "minute": 43}
